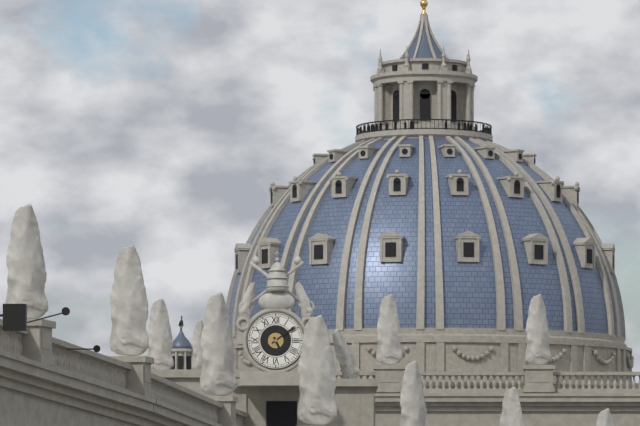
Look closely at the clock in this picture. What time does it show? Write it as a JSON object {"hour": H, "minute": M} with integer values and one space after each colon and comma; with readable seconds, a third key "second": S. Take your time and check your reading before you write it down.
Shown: {"hour": 5, "minute": 9}
